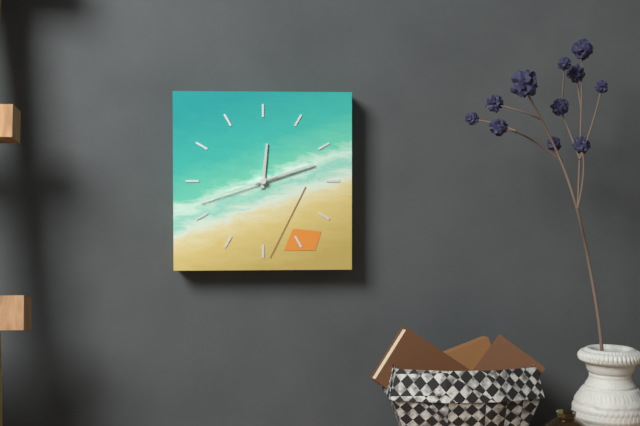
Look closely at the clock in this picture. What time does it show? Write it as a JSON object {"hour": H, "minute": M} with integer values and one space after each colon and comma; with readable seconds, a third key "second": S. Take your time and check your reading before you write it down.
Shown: {"hour": 12, "minute": 12, "second": 42}
